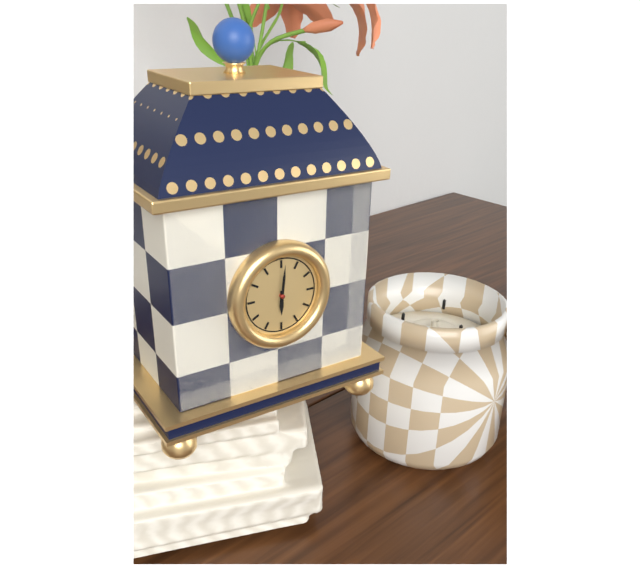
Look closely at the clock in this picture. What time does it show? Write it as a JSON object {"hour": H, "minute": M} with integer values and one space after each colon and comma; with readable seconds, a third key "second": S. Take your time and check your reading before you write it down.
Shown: {"hour": 6, "minute": 1}
